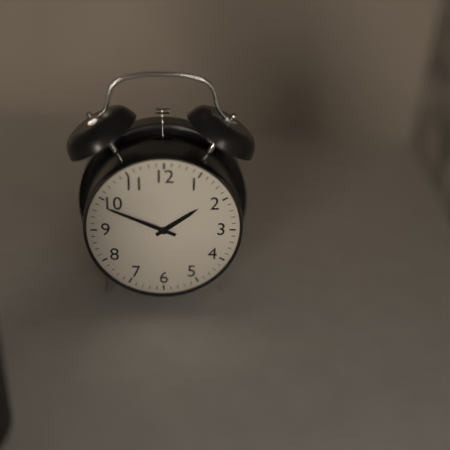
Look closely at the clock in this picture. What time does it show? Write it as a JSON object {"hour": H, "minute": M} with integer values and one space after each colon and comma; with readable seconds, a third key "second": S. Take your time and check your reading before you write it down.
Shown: {"hour": 1, "minute": 49}
